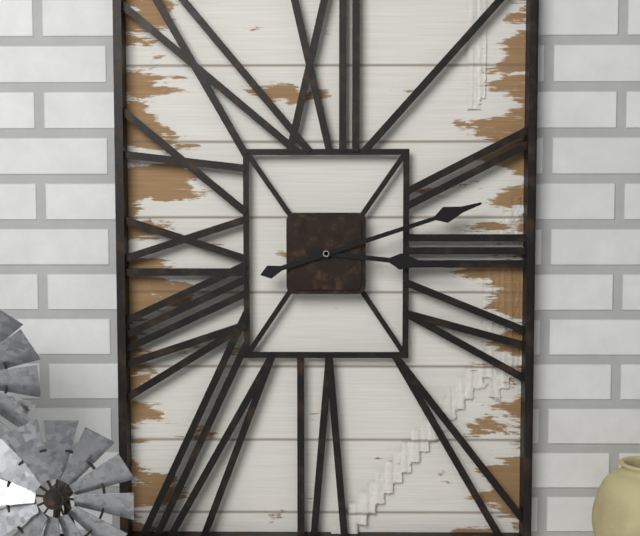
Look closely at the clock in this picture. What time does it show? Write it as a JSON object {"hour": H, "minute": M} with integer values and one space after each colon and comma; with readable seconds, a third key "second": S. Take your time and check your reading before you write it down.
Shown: {"hour": 3, "minute": 12}
